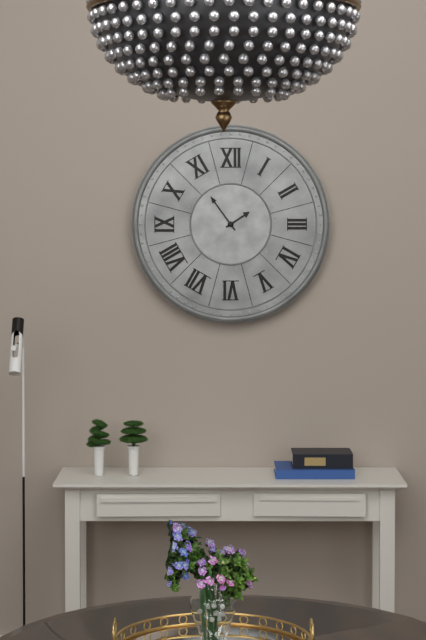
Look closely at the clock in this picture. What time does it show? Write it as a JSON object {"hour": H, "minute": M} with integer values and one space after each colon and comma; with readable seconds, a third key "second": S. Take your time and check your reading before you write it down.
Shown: {"hour": 1, "minute": 54}
